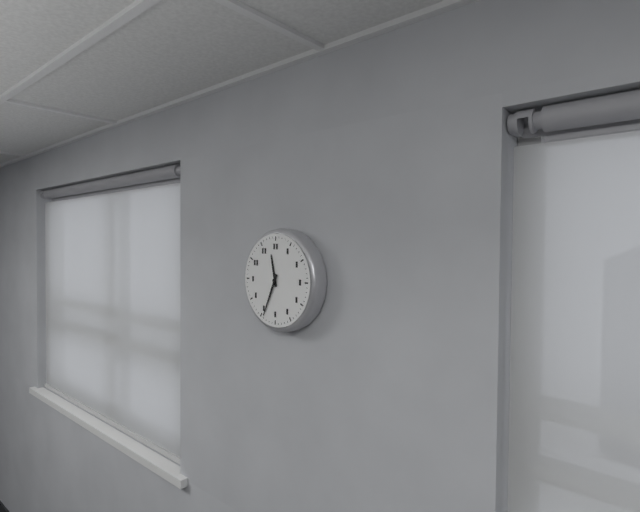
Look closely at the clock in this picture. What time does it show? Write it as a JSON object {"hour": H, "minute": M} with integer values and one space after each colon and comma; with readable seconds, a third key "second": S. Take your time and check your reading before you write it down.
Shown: {"hour": 11, "minute": 34}
